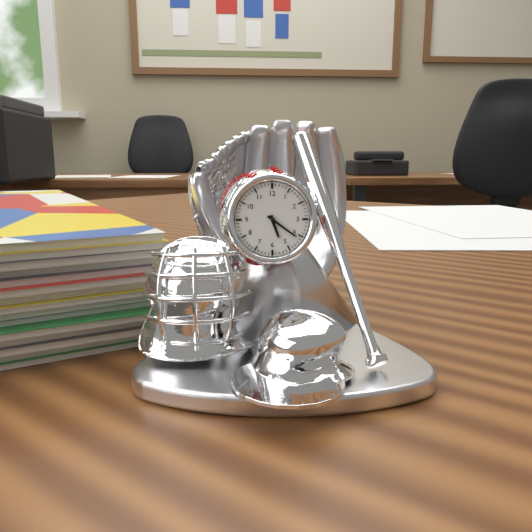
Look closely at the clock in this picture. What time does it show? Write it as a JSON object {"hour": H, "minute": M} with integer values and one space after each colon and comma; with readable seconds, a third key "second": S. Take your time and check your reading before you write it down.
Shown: {"hour": 5, "minute": 21}
